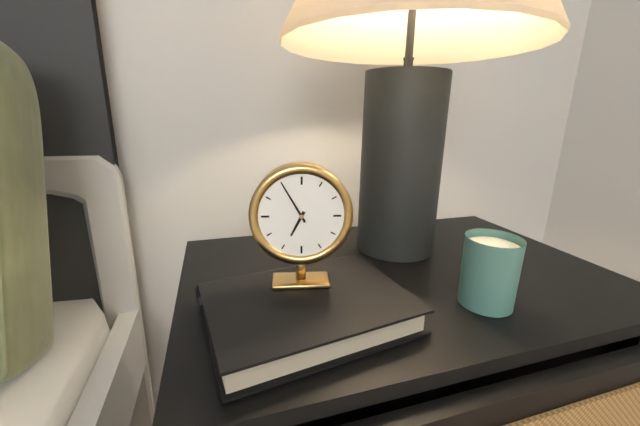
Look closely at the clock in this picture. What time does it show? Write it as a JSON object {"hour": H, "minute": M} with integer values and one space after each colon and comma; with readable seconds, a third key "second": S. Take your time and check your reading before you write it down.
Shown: {"hour": 6, "minute": 55}
